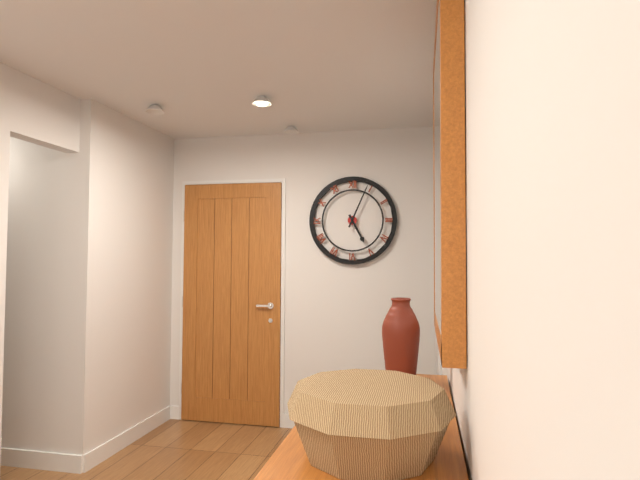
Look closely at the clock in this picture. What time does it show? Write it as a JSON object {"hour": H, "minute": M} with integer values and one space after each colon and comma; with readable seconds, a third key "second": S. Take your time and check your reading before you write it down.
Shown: {"hour": 5, "minute": 4}
